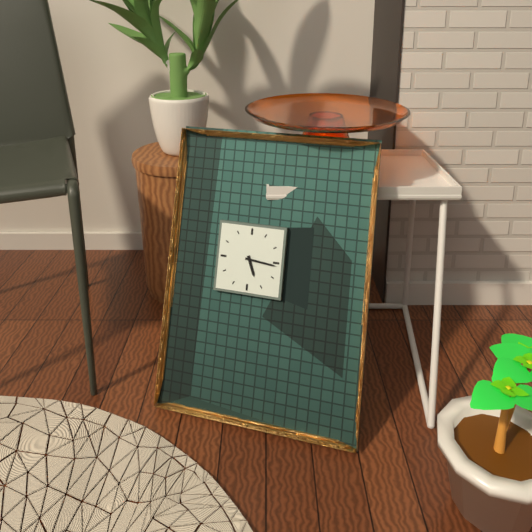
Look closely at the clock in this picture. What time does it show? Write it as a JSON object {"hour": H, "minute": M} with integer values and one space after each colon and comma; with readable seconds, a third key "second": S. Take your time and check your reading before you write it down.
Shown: {"hour": 5, "minute": 16}
